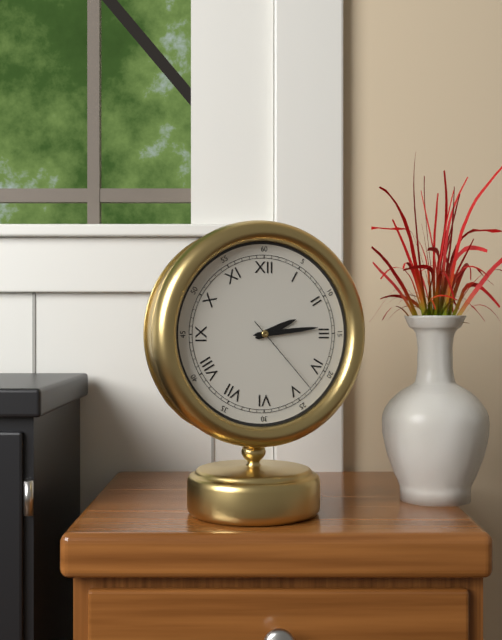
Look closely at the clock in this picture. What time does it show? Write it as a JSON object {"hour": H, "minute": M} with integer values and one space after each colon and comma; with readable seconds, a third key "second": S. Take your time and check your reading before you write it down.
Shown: {"hour": 2, "minute": 14, "second": 23}
